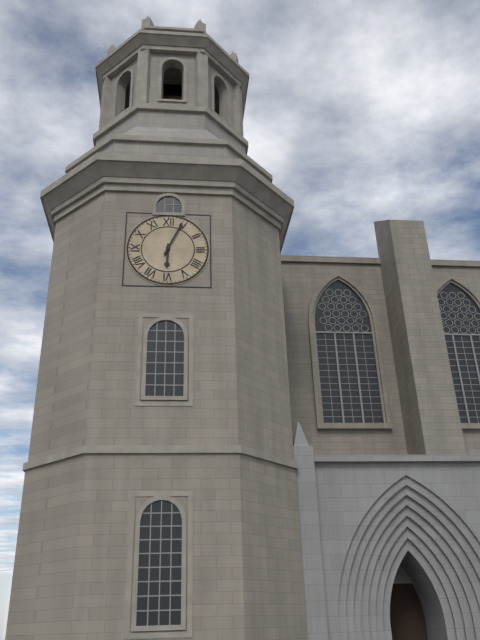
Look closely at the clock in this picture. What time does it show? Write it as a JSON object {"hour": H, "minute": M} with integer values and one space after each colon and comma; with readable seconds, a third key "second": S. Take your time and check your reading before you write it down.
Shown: {"hour": 6, "minute": 4}
